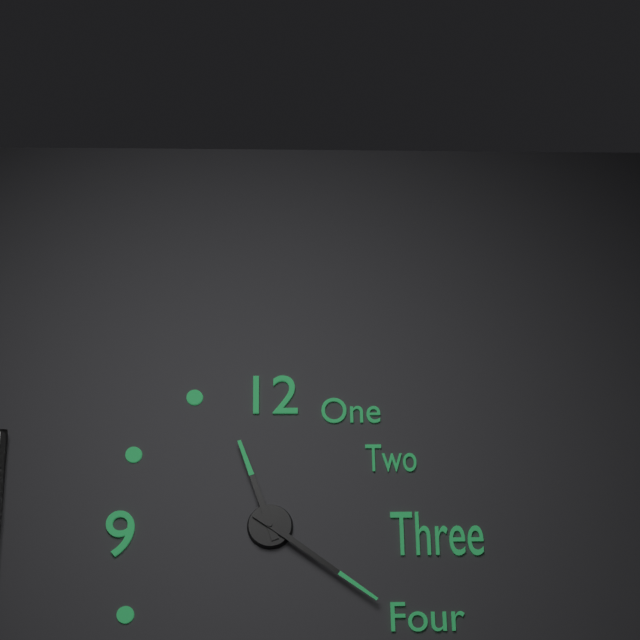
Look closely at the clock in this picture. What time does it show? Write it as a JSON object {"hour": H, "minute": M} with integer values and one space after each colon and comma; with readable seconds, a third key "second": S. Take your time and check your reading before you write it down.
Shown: {"hour": 11, "minute": 21}
